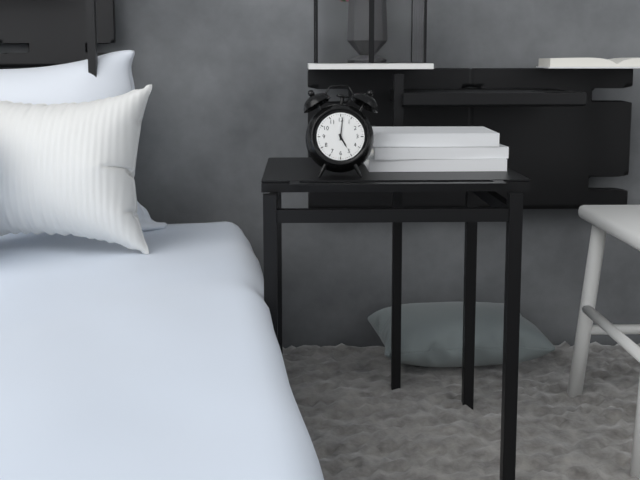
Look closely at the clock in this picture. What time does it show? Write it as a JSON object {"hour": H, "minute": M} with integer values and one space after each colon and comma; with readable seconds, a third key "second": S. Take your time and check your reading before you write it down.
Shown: {"hour": 5, "minute": 1}
